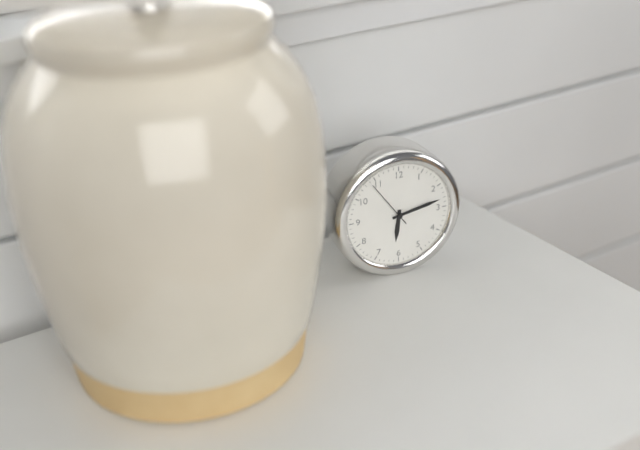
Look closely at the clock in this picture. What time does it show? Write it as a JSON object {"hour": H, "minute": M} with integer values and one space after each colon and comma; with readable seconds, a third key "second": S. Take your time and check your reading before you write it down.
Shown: {"hour": 6, "minute": 13}
